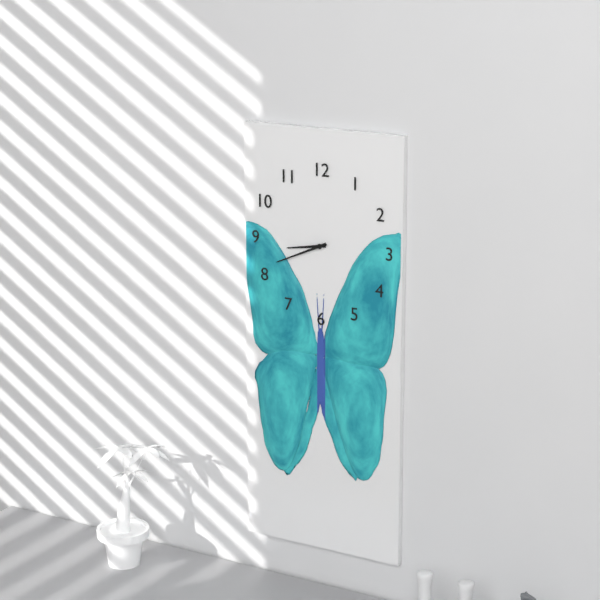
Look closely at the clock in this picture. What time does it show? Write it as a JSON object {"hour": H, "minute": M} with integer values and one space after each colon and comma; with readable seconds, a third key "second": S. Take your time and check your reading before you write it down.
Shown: {"hour": 8, "minute": 41}
